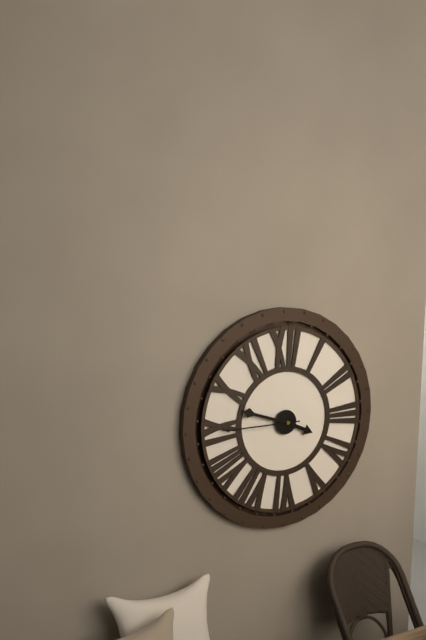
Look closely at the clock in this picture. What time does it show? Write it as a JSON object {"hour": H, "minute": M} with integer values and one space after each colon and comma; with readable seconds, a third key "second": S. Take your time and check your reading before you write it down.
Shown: {"hour": 3, "minute": 48, "second": 45}
